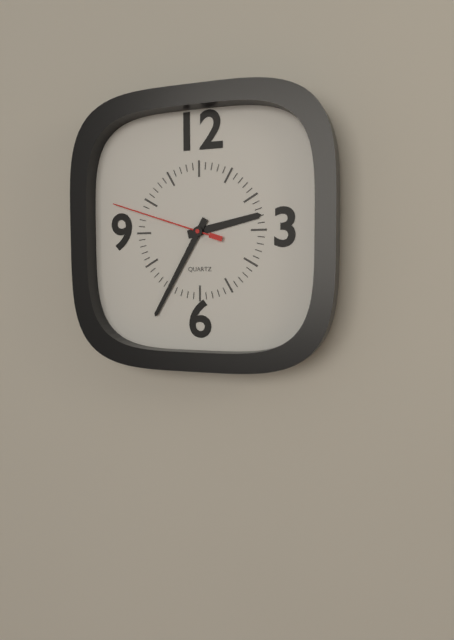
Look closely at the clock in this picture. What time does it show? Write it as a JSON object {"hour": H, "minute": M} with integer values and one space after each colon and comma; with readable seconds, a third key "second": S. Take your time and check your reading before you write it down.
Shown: {"hour": 2, "minute": 35, "second": 48}
